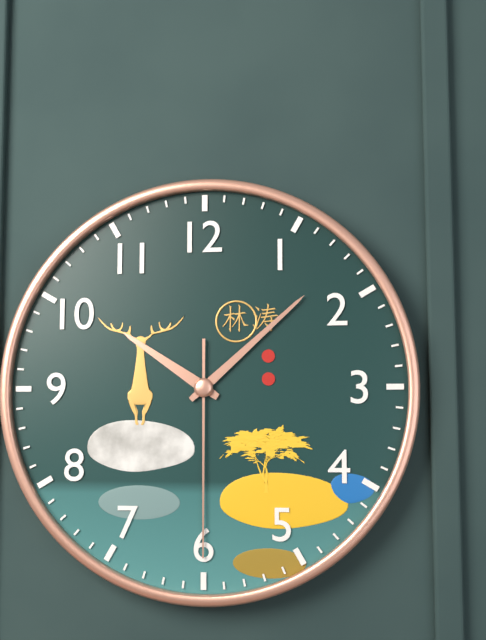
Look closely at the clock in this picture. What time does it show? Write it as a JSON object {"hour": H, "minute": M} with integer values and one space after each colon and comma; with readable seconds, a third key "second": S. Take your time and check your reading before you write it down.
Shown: {"hour": 10, "minute": 8, "second": 30}
